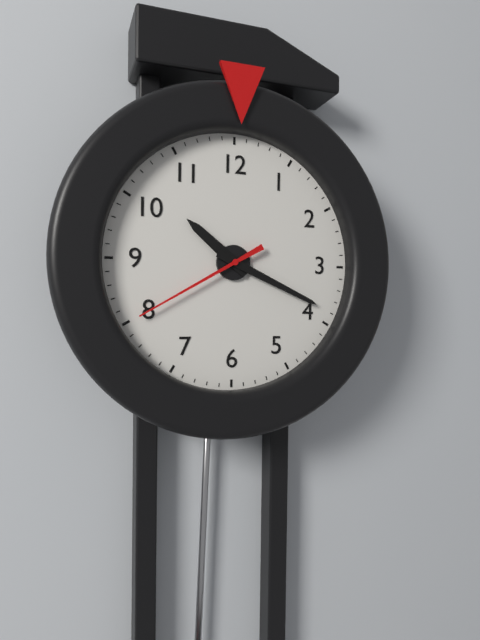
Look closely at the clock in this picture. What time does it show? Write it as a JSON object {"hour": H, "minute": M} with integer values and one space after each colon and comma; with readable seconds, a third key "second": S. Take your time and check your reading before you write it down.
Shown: {"hour": 10, "minute": 19, "second": 40}
